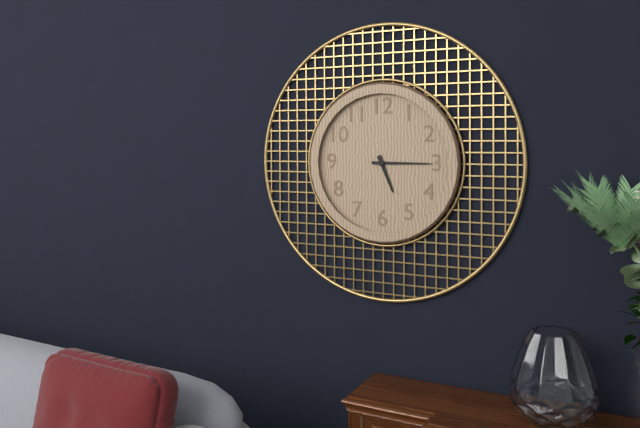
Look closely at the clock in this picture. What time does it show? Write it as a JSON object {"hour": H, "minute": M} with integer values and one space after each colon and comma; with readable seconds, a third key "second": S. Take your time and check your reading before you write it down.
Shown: {"hour": 5, "minute": 15}
